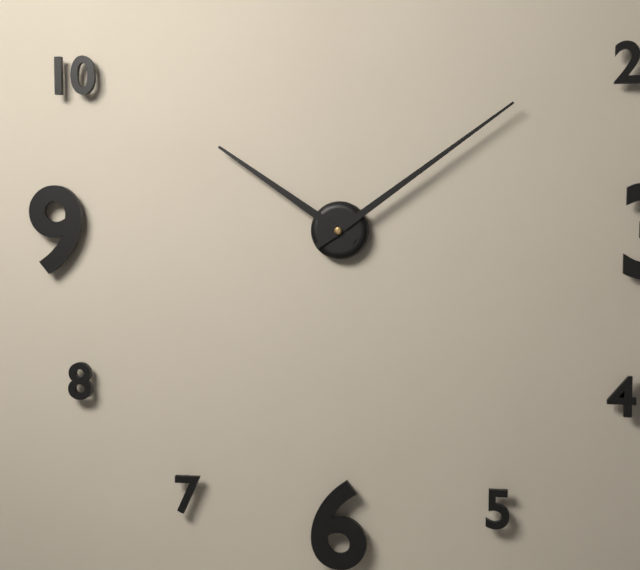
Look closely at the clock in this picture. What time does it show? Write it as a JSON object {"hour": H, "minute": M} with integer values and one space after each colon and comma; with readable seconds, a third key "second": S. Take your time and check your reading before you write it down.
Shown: {"hour": 10, "minute": 9}
